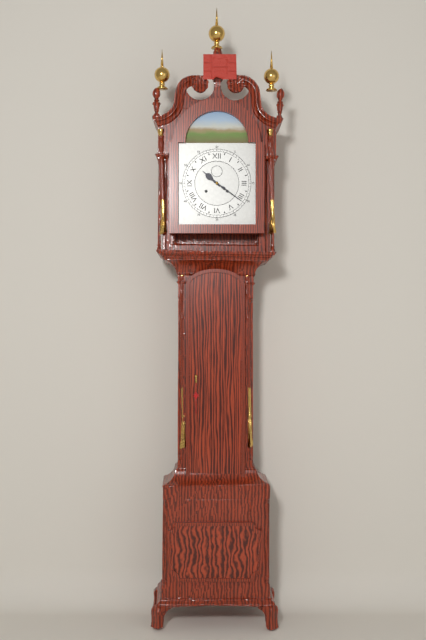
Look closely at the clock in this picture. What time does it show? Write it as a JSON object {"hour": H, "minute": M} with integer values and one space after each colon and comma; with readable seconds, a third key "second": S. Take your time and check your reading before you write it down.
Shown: {"hour": 10, "minute": 21}
